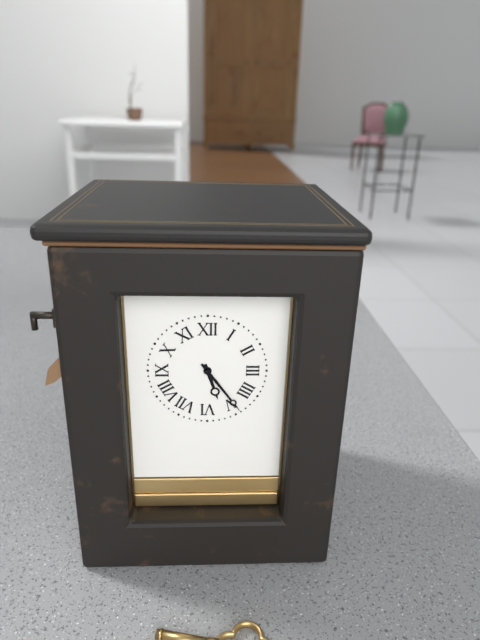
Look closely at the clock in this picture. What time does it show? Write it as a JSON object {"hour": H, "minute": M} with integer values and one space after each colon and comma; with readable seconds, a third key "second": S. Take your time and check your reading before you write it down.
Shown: {"hour": 5, "minute": 24}
